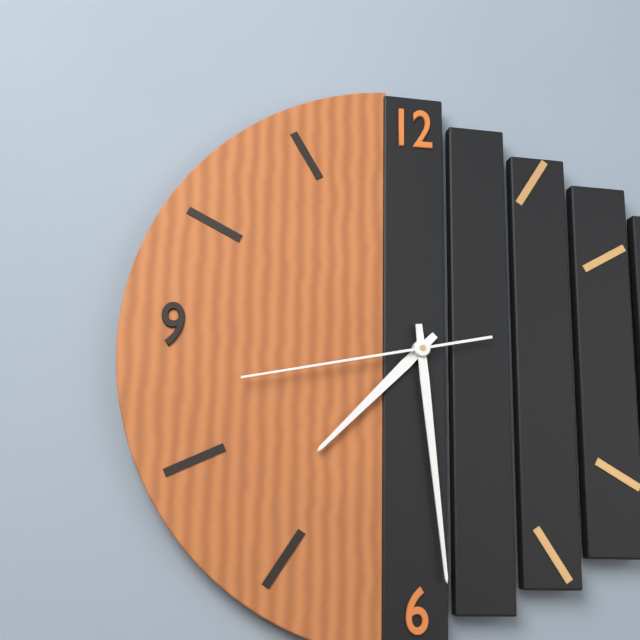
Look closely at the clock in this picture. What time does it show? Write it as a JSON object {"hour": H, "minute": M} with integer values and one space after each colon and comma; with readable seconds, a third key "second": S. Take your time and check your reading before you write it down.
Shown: {"hour": 7, "minute": 29, "second": 43}
